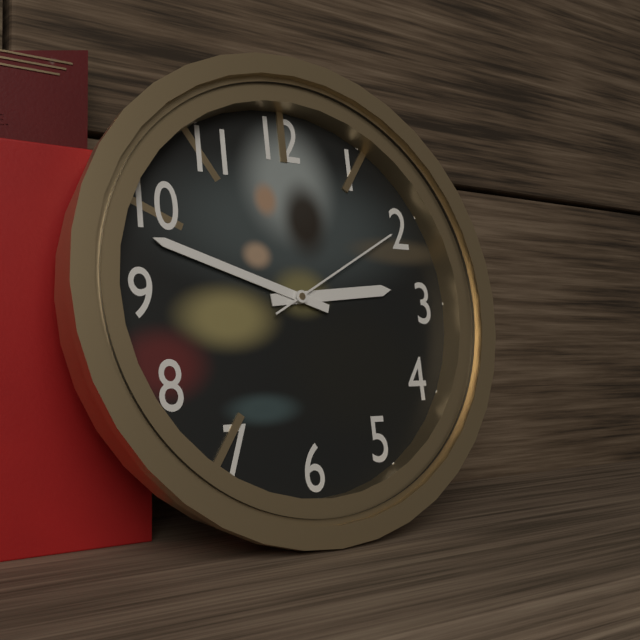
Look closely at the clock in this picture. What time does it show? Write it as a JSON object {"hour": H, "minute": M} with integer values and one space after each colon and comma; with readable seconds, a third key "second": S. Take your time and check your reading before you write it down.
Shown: {"hour": 2, "minute": 48, "second": 10}
